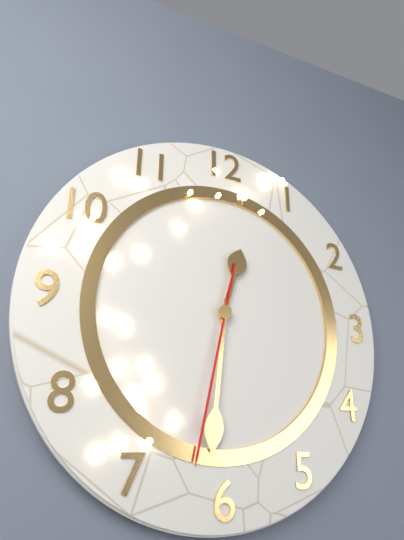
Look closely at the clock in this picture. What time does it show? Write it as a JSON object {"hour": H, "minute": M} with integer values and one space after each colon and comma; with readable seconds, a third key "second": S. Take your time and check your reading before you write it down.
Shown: {"hour": 12, "minute": 31, "second": 32}
